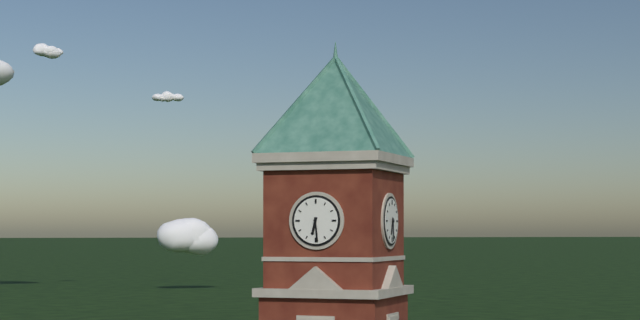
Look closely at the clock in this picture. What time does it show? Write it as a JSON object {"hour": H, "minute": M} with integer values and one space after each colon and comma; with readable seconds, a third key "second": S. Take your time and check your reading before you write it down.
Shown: {"hour": 6, "minute": 29}
